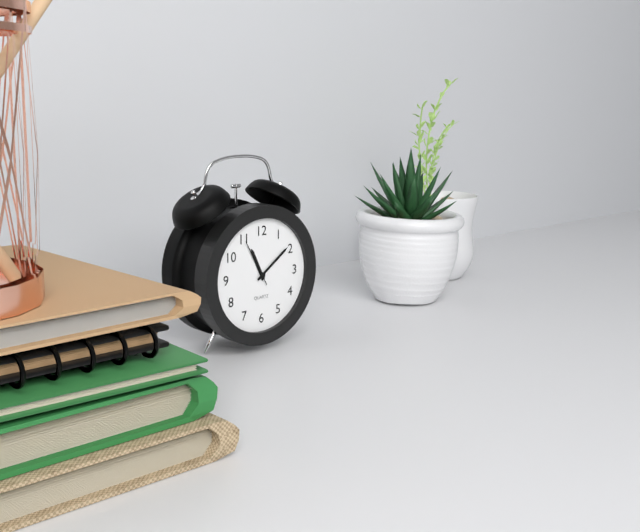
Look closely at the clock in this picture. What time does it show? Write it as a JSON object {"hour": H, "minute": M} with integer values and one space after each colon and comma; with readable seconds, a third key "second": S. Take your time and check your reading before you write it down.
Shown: {"hour": 11, "minute": 9}
